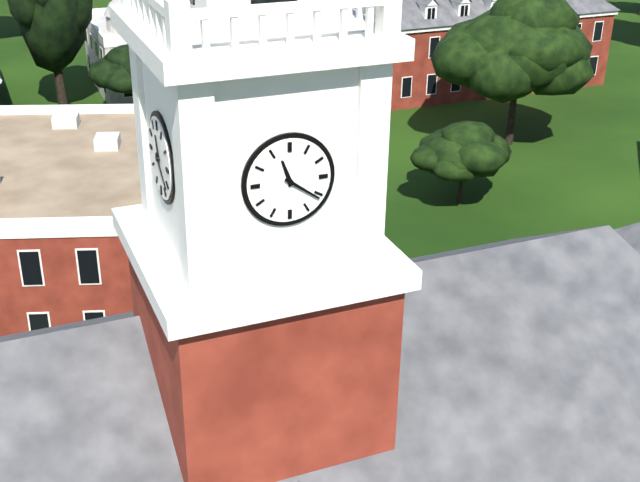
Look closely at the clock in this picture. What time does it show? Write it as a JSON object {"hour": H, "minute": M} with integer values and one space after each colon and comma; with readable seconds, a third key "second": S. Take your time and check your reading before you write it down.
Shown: {"hour": 11, "minute": 21}
